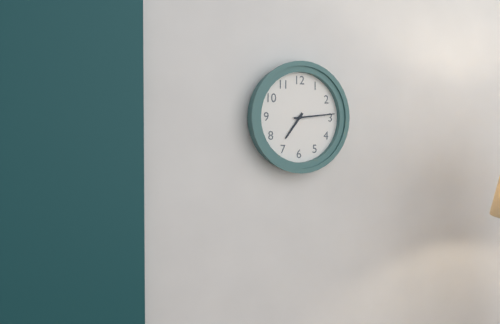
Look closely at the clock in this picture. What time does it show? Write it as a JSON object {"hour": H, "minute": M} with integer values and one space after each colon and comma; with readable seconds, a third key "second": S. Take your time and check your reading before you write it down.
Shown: {"hour": 7, "minute": 14}
